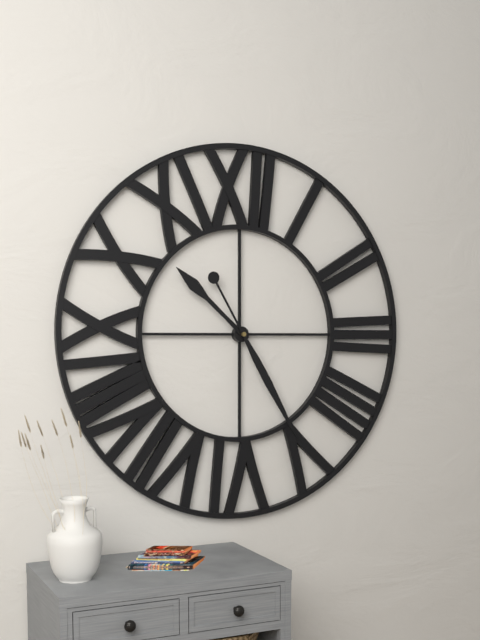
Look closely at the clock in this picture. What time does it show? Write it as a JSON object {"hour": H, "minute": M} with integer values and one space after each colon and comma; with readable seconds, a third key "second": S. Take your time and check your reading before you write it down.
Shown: {"hour": 10, "minute": 25}
